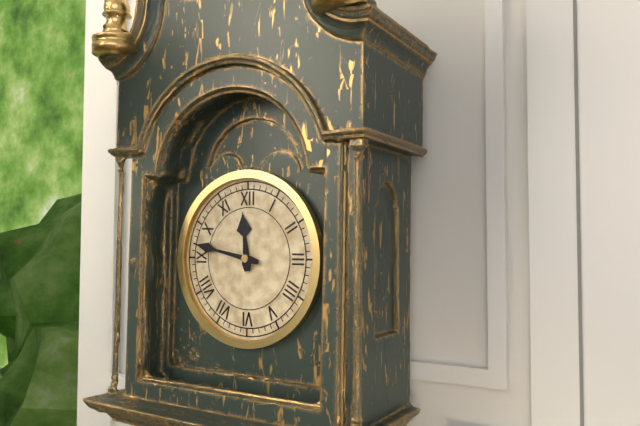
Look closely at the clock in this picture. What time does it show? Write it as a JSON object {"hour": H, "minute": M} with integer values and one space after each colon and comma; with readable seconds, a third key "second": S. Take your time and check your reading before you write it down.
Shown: {"hour": 11, "minute": 47}
